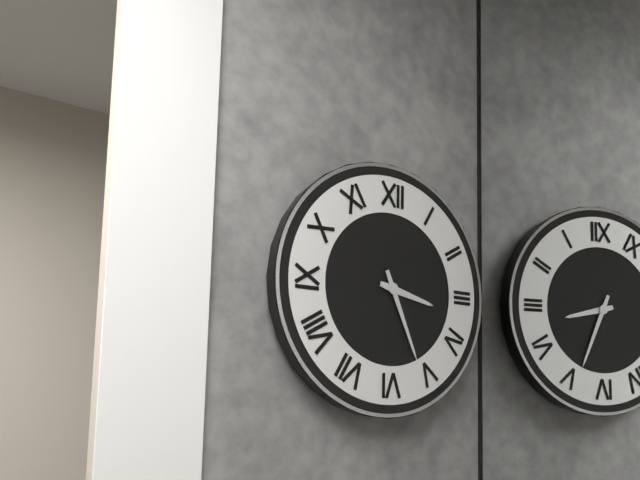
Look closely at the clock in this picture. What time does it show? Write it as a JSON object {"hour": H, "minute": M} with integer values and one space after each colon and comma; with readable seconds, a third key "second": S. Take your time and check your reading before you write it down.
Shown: {"hour": 3, "minute": 26}
